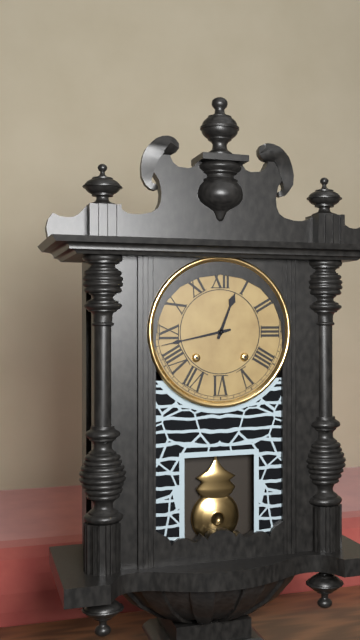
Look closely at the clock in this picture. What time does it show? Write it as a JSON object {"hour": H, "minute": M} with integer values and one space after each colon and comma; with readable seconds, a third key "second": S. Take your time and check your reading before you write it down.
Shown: {"hour": 12, "minute": 43}
